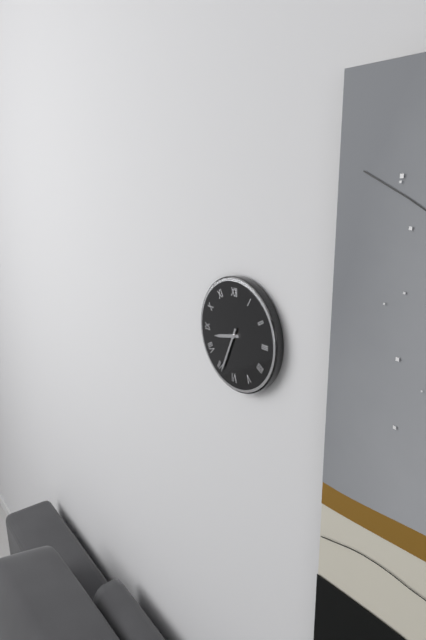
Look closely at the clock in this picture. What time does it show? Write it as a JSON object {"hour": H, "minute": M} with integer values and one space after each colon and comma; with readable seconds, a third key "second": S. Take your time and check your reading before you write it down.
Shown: {"hour": 8, "minute": 34}
